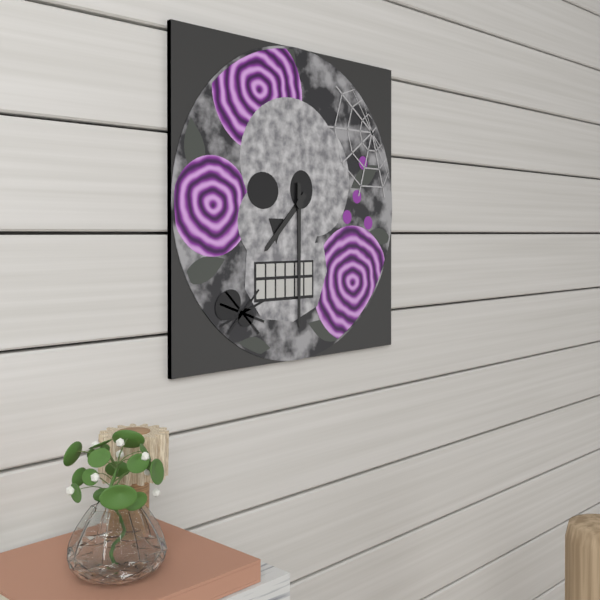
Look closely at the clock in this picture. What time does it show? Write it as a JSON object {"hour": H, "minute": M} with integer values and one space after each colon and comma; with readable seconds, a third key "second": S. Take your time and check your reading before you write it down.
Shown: {"hour": 7, "minute": 30}
